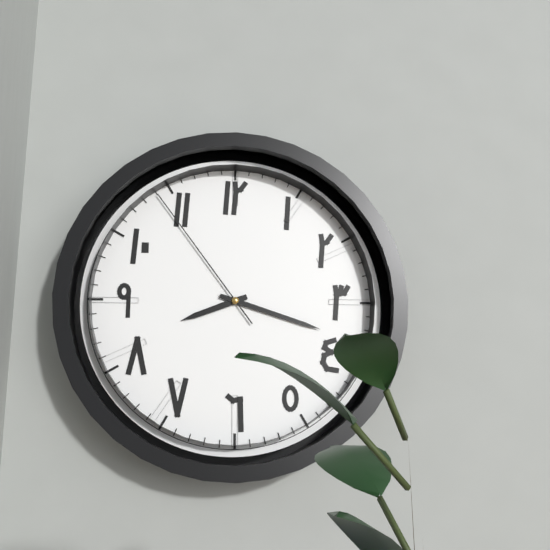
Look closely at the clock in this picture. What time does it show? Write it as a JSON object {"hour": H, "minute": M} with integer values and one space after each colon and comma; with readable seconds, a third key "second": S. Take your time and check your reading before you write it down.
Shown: {"hour": 8, "minute": 18, "second": 54}
